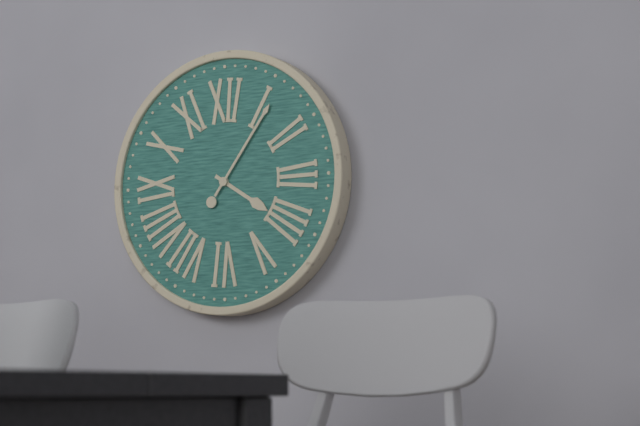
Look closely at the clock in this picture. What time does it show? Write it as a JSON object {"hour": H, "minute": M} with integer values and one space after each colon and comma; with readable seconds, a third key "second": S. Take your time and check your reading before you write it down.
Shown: {"hour": 4, "minute": 6}
